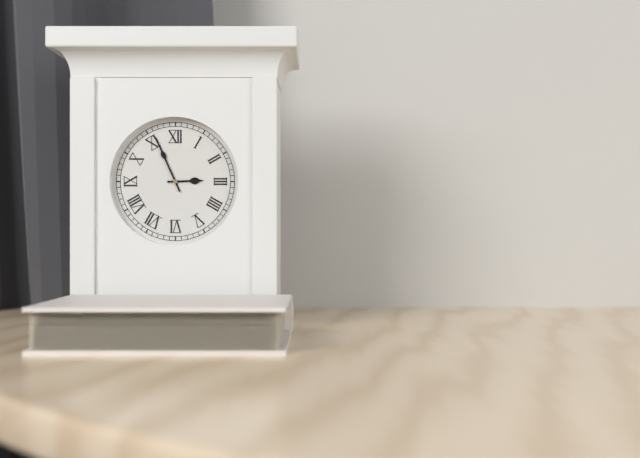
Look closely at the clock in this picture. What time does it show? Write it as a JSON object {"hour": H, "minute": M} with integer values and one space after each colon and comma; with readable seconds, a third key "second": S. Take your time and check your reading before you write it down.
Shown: {"hour": 2, "minute": 56}
